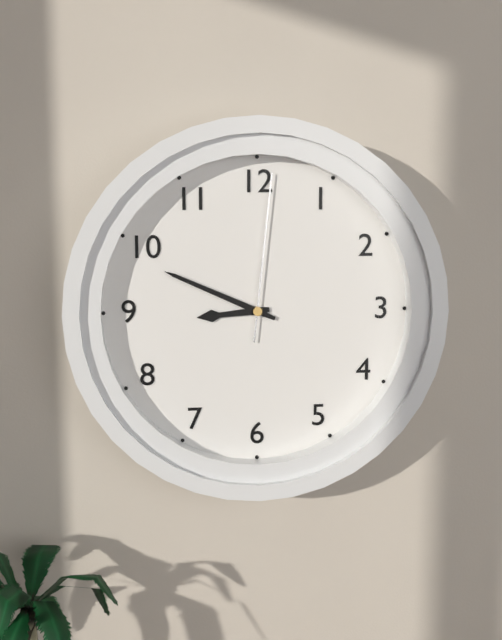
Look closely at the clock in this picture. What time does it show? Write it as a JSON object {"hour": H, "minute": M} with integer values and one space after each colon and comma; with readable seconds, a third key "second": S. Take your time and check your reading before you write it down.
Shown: {"hour": 8, "minute": 49, "second": 1}
